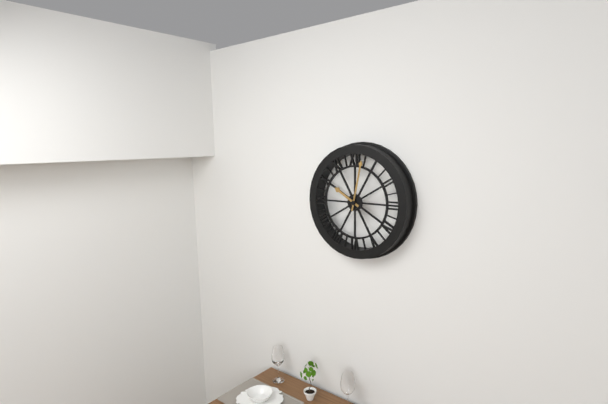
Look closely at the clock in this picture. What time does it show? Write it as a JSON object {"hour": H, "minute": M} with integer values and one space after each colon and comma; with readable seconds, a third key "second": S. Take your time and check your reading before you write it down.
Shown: {"hour": 10, "minute": 2}
